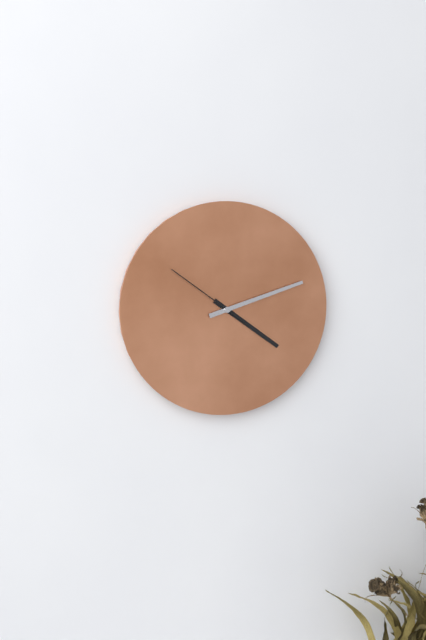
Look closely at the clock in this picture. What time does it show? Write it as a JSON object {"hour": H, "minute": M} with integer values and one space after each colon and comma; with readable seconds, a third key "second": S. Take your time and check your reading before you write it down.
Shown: {"hour": 4, "minute": 12, "second": 51}
